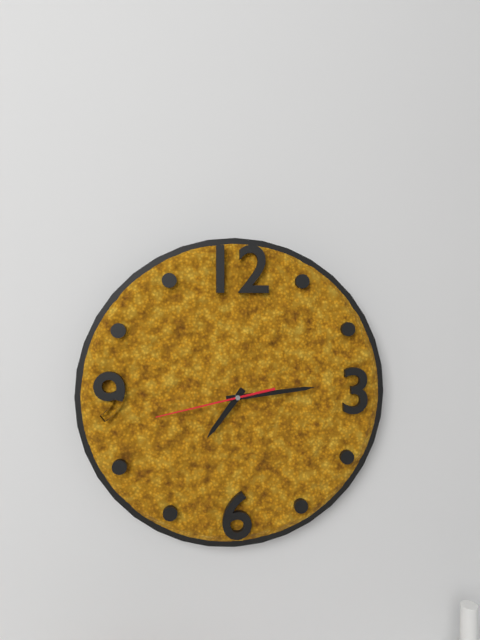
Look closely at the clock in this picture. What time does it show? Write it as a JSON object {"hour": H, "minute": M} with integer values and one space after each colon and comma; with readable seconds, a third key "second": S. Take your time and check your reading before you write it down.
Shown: {"hour": 7, "minute": 14, "second": 43}
